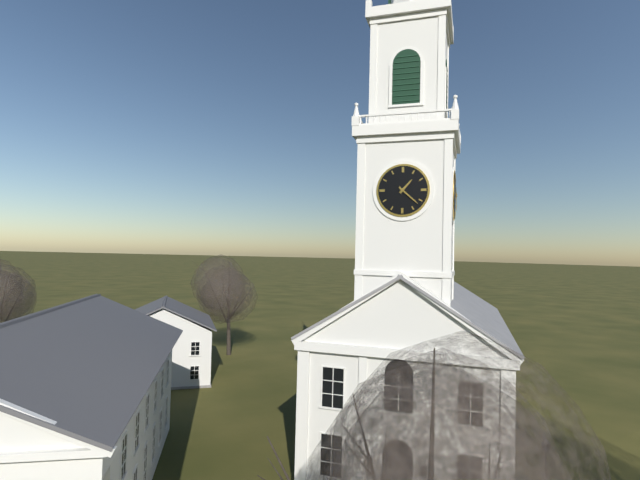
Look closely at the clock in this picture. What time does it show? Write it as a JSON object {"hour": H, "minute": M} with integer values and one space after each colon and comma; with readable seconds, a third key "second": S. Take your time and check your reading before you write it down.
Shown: {"hour": 1, "minute": 22}
